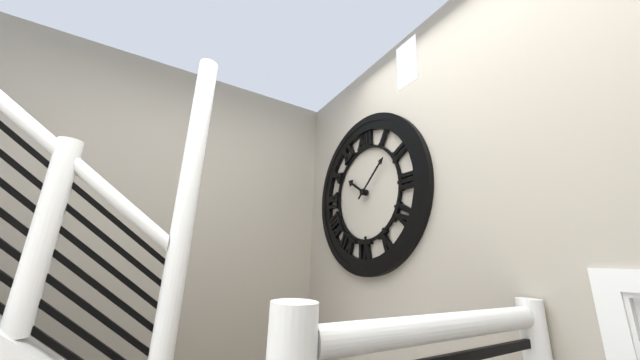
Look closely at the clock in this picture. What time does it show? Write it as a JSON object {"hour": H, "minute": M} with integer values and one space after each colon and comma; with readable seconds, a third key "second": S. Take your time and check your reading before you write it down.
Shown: {"hour": 10, "minute": 8}
